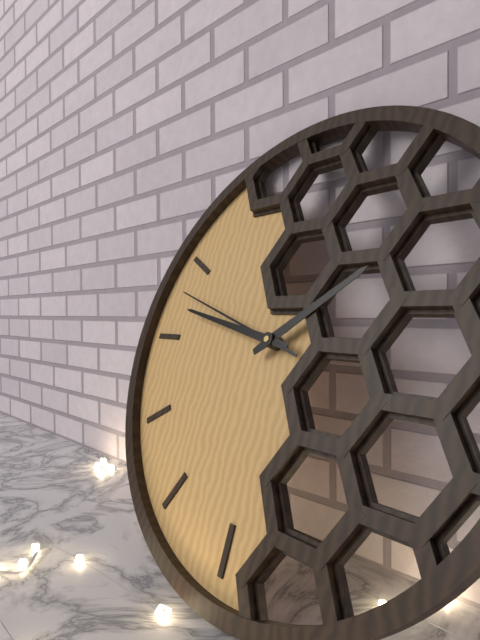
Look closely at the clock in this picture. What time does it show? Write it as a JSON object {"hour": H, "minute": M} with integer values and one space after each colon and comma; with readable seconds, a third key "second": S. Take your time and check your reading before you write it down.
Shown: {"hour": 1, "minute": 47, "second": 48}
